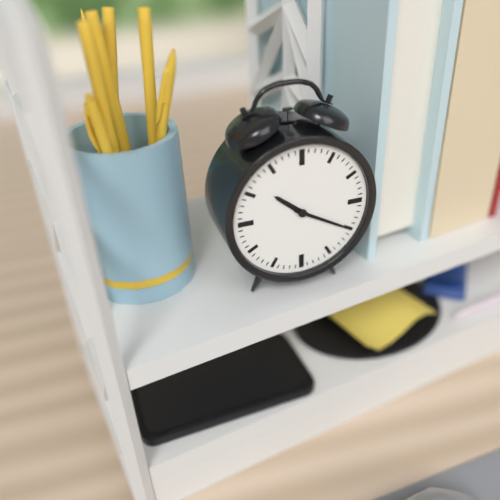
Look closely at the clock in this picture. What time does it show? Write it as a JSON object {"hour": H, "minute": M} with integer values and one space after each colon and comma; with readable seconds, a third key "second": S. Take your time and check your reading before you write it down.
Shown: {"hour": 10, "minute": 20}
